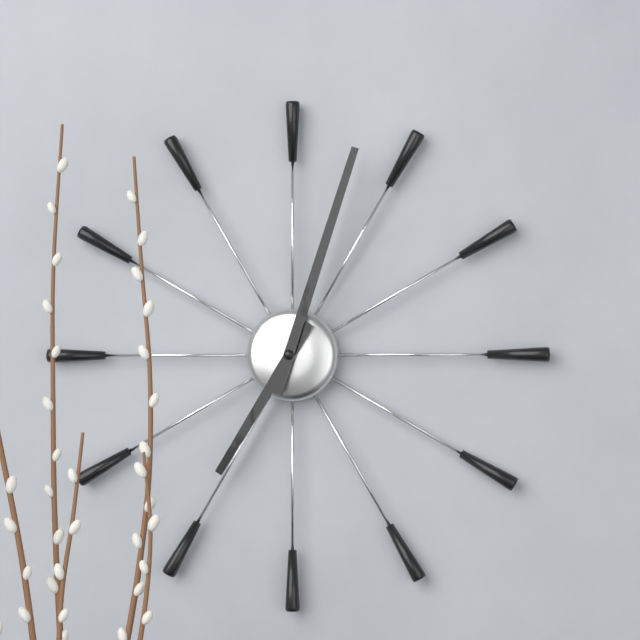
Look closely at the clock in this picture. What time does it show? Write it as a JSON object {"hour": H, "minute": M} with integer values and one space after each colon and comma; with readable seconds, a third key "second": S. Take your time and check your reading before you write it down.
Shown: {"hour": 7, "minute": 3}
